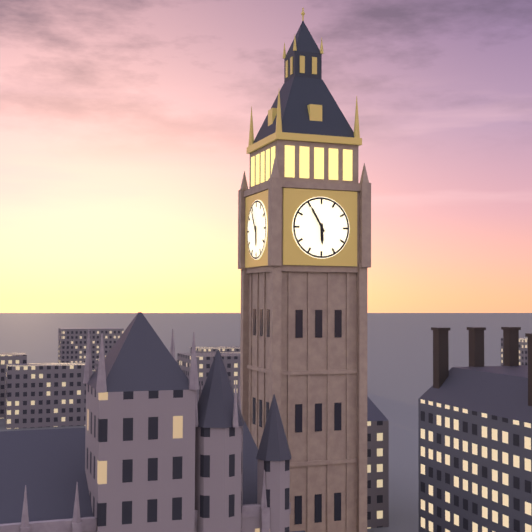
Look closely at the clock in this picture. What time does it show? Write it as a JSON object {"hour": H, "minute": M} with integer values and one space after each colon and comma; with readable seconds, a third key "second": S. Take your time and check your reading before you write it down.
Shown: {"hour": 5, "minute": 55}
